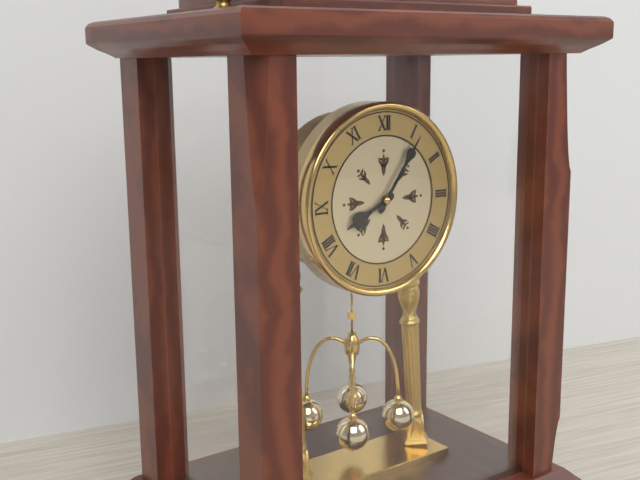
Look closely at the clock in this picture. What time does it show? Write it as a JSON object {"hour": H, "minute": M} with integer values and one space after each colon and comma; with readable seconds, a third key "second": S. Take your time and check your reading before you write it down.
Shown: {"hour": 8, "minute": 6}
